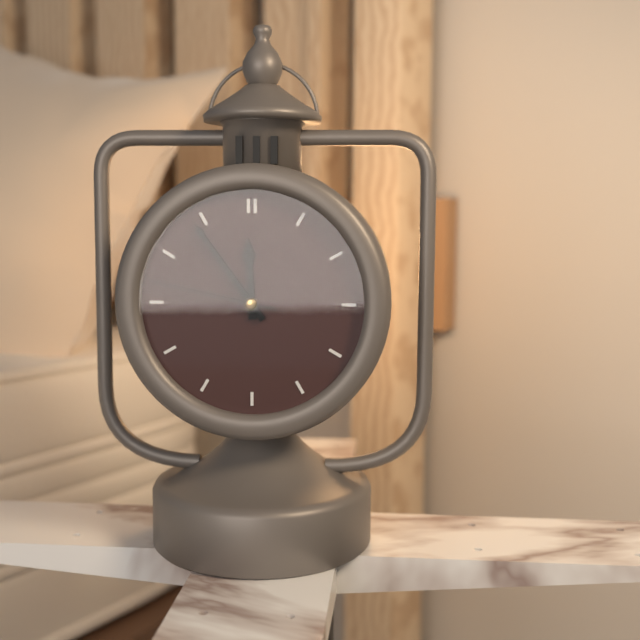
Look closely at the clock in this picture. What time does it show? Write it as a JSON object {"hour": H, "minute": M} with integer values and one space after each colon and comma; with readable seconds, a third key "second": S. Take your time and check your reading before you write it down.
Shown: {"hour": 11, "minute": 54, "second": 47}
